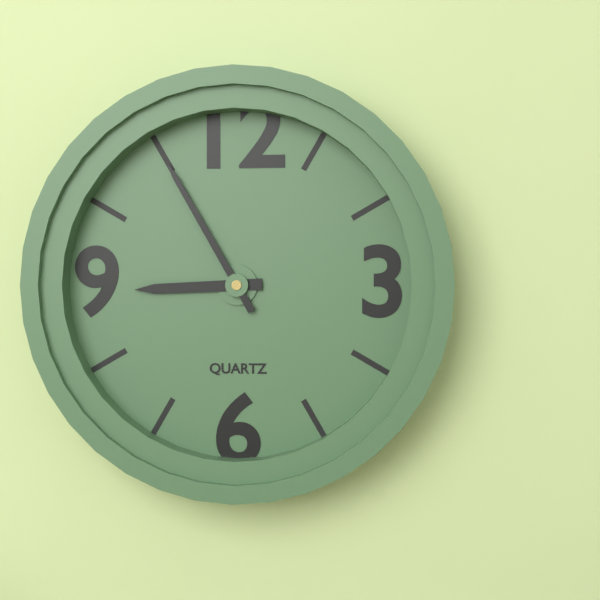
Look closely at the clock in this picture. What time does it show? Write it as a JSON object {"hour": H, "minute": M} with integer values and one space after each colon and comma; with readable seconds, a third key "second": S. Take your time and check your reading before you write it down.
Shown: {"hour": 8, "minute": 55}
